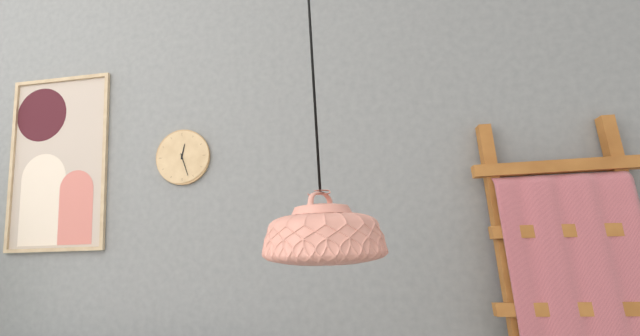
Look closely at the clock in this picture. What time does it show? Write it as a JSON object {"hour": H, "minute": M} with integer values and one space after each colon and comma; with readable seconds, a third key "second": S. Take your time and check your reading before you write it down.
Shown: {"hour": 12, "minute": 27}
